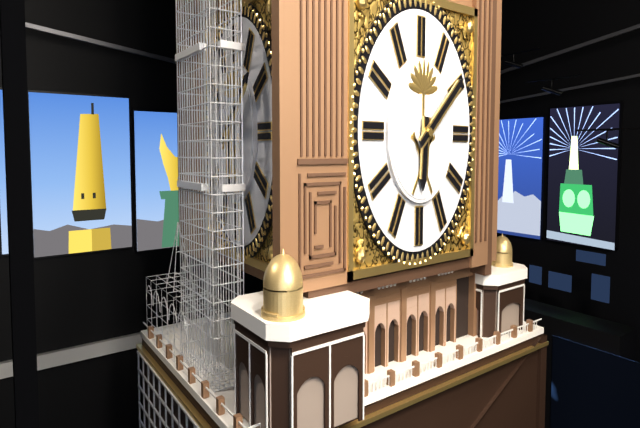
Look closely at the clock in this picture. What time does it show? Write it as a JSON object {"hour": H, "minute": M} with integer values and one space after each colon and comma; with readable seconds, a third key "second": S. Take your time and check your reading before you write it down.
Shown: {"hour": 6, "minute": 9}
